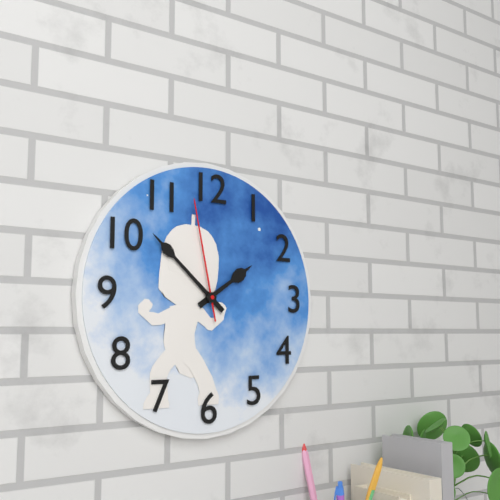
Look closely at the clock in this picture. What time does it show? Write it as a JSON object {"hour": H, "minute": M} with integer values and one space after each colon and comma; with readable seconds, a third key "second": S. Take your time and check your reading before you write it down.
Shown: {"hour": 1, "minute": 52, "second": 58}
